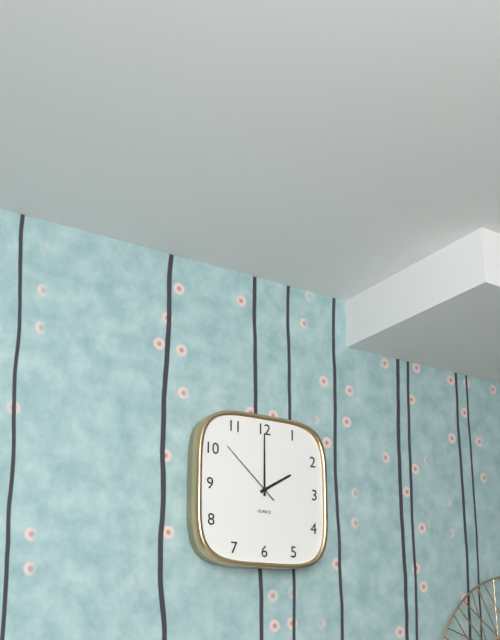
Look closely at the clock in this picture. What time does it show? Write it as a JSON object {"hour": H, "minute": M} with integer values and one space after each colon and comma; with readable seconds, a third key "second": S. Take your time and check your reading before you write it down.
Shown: {"hour": 2, "minute": 0, "second": 52}
